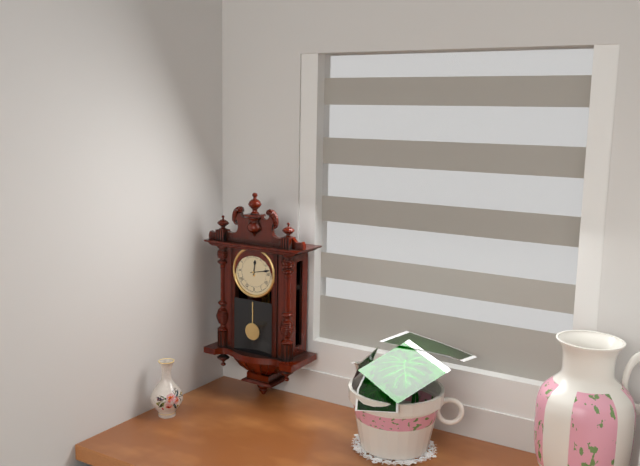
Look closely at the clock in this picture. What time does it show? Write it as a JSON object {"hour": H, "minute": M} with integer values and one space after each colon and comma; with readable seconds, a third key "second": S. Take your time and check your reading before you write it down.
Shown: {"hour": 12, "minute": 13}
